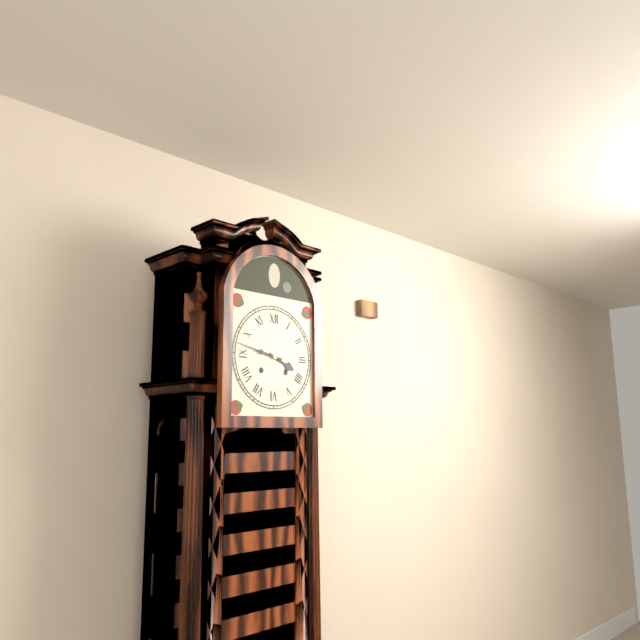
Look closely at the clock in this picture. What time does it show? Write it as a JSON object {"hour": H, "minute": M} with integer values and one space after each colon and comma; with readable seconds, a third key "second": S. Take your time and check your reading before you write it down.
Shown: {"hour": 3, "minute": 47}
